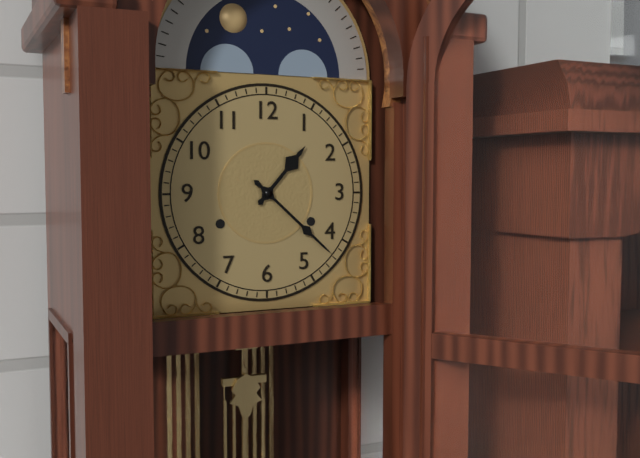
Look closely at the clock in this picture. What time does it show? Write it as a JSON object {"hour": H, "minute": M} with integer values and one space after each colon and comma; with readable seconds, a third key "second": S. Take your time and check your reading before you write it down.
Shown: {"hour": 1, "minute": 22}
